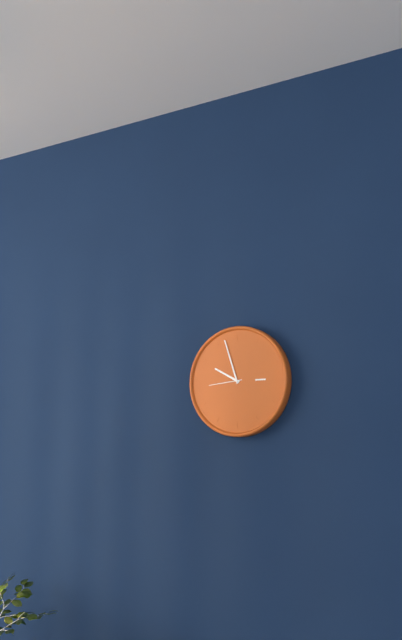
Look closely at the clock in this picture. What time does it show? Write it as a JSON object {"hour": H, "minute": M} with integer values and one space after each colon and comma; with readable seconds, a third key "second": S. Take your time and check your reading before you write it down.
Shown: {"hour": 9, "minute": 57}
